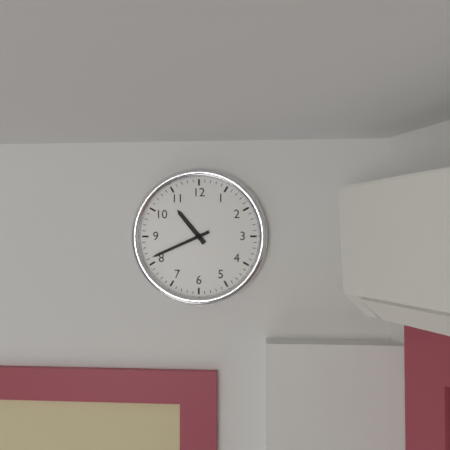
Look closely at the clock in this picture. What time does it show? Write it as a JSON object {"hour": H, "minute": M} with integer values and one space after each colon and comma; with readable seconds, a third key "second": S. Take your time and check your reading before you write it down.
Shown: {"hour": 10, "minute": 41}
